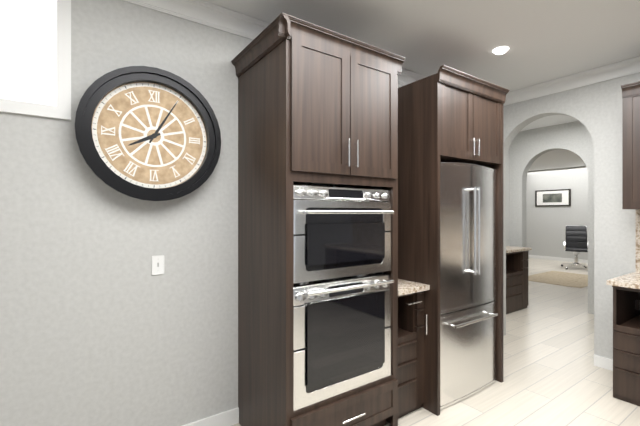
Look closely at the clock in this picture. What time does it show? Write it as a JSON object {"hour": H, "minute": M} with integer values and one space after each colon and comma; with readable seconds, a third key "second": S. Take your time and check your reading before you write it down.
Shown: {"hour": 8, "minute": 5}
